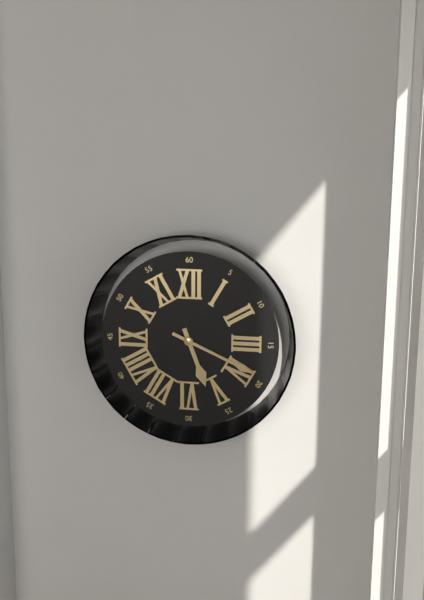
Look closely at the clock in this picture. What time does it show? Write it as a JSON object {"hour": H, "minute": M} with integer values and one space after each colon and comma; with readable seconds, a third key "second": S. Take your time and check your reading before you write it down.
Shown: {"hour": 5, "minute": 19}
